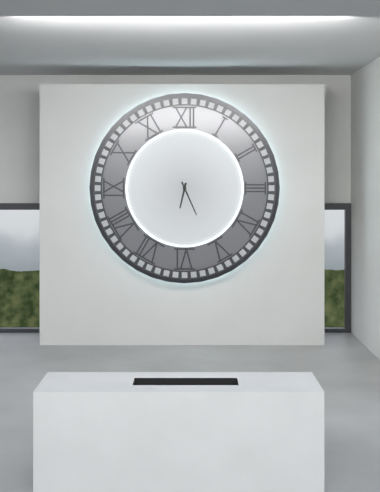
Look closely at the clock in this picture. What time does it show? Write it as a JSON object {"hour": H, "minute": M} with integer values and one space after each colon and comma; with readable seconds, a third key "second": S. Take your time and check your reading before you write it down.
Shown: {"hour": 6, "minute": 26}
